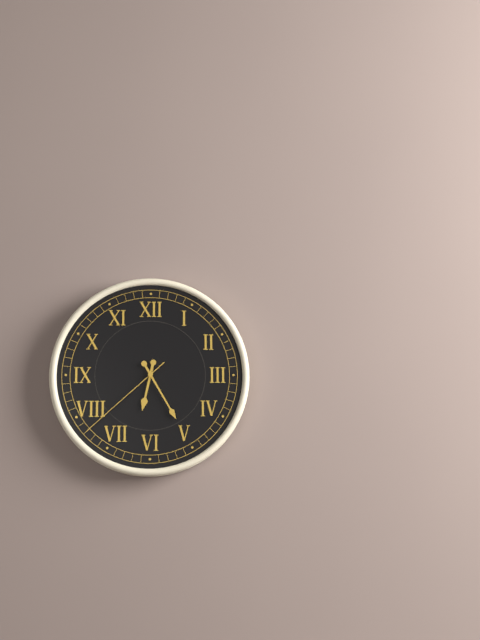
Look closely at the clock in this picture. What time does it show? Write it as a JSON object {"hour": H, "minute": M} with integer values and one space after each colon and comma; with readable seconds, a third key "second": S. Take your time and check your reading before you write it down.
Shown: {"hour": 6, "minute": 25, "second": 38}
